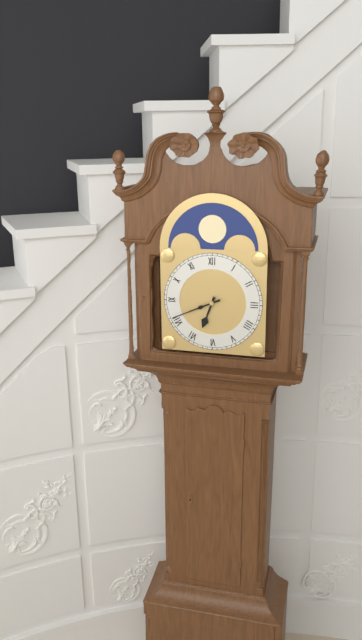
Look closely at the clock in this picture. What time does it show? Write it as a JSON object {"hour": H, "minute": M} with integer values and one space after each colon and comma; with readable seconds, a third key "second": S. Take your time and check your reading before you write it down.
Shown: {"hour": 6, "minute": 41}
